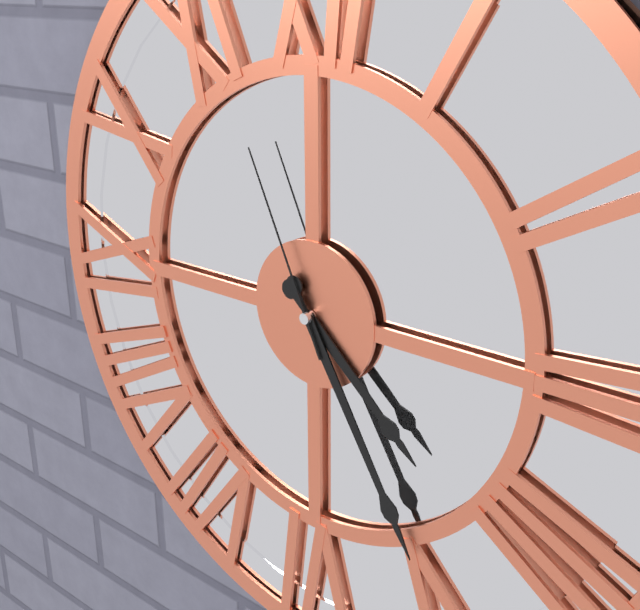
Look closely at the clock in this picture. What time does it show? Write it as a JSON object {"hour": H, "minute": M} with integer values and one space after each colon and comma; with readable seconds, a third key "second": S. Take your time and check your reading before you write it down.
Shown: {"hour": 4, "minute": 25, "second": 56}
